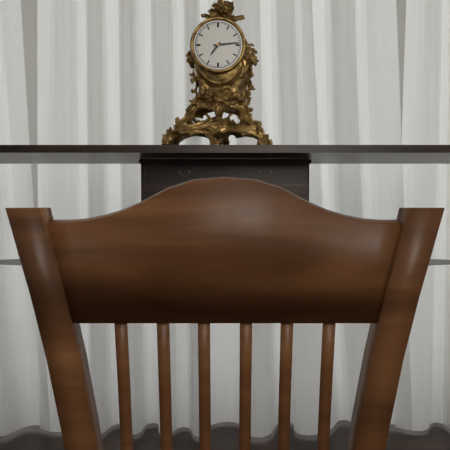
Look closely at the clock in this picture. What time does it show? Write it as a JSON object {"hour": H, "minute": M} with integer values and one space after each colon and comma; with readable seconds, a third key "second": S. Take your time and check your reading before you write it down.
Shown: {"hour": 7, "minute": 14}
